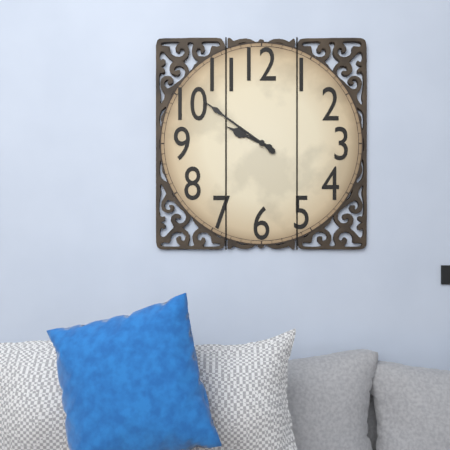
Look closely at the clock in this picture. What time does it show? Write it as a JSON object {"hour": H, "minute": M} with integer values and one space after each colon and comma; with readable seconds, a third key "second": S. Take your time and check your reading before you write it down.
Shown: {"hour": 9, "minute": 51}
